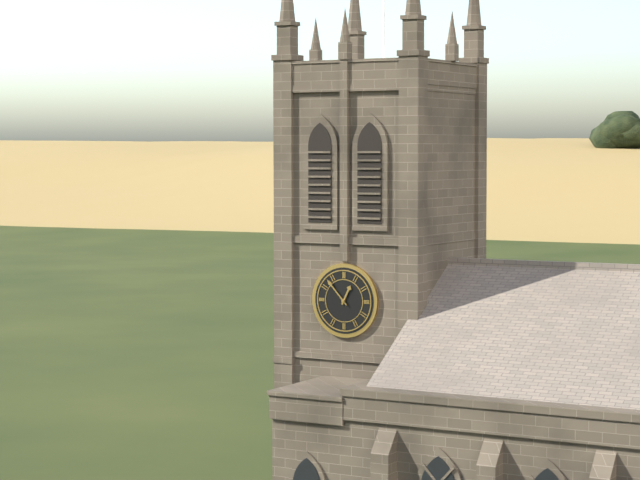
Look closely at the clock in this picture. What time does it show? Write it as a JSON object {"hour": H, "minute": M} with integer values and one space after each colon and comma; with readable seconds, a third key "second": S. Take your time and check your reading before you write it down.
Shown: {"hour": 12, "minute": 53}
